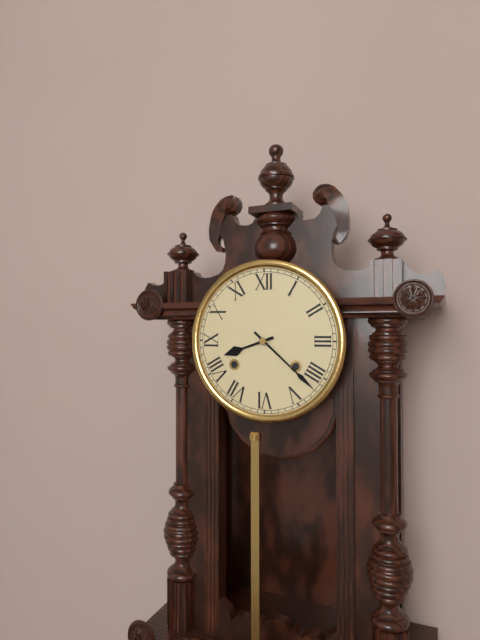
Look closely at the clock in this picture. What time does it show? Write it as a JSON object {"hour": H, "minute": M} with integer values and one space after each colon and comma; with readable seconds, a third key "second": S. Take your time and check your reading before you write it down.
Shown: {"hour": 8, "minute": 22}
